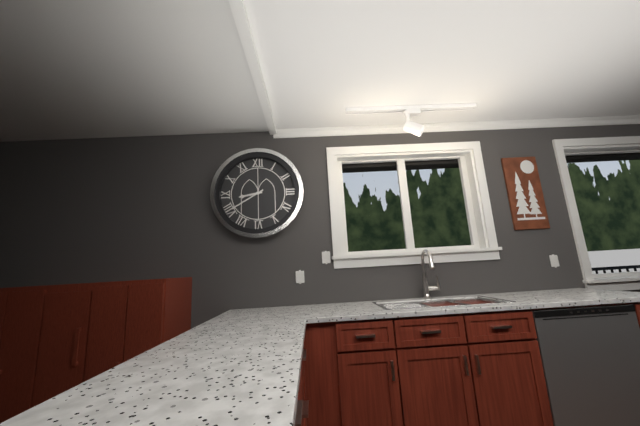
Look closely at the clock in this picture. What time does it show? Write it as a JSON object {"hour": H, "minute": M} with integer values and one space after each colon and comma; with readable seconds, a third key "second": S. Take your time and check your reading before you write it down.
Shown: {"hour": 8, "minute": 40}
